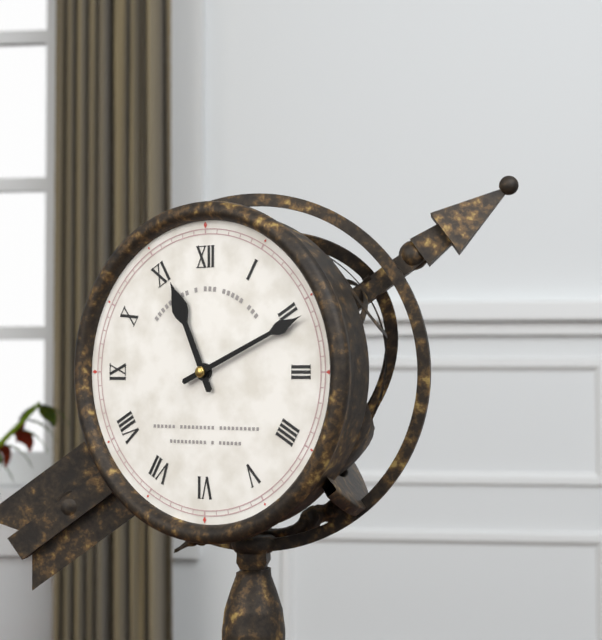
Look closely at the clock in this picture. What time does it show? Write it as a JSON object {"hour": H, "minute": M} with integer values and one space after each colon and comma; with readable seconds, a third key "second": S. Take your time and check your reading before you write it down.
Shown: {"hour": 11, "minute": 11}
